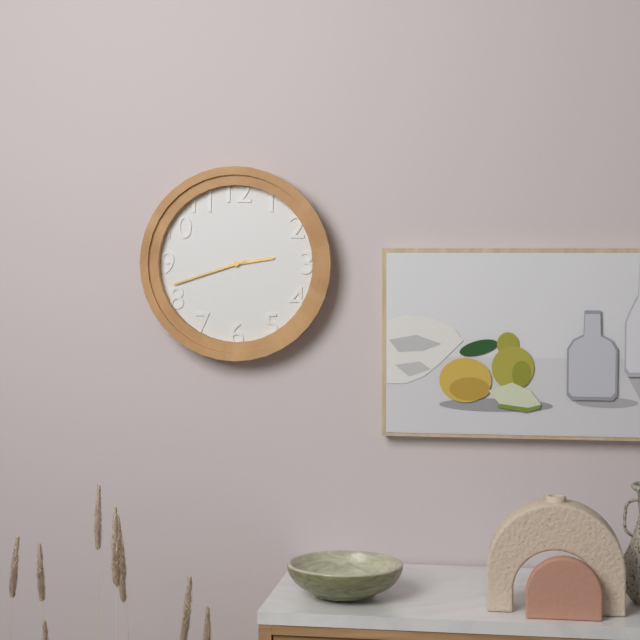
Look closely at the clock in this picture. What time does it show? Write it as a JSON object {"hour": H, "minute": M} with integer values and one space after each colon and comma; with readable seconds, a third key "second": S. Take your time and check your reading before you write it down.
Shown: {"hour": 2, "minute": 42}
